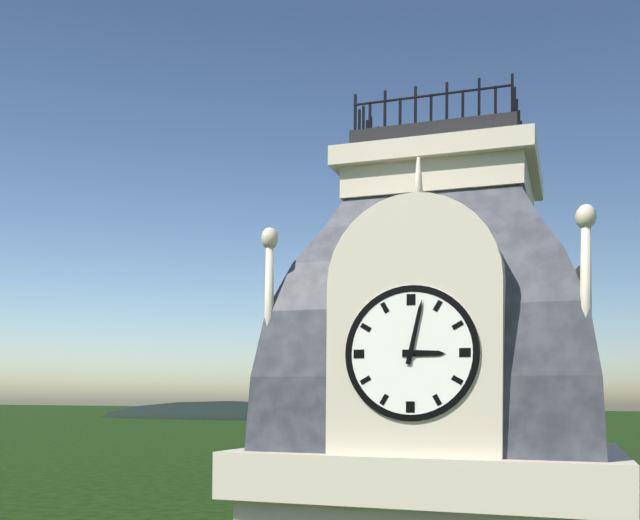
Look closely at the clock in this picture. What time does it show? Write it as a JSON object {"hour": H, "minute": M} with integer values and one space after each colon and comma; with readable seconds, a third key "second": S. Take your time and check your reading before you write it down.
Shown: {"hour": 3, "minute": 2}
